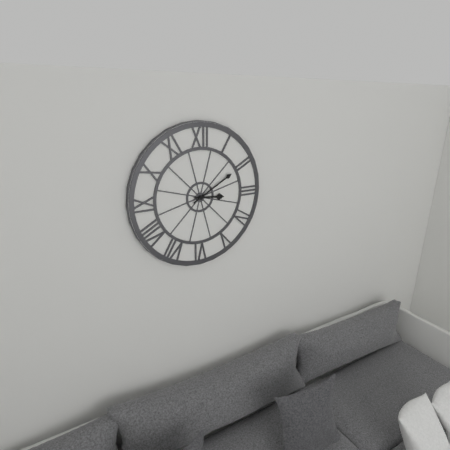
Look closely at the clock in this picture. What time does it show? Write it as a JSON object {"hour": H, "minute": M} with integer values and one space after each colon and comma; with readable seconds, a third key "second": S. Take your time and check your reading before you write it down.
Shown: {"hour": 3, "minute": 10}
